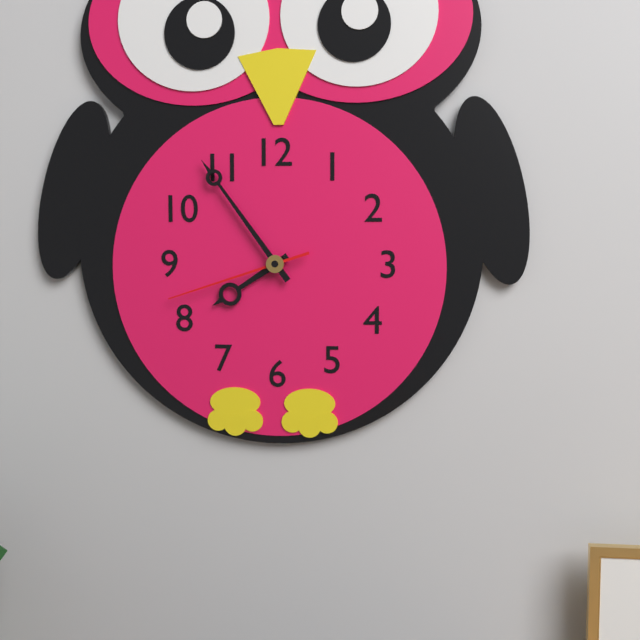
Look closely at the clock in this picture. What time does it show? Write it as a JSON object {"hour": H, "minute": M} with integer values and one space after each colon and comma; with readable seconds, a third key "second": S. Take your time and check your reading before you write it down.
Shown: {"hour": 7, "minute": 54, "second": 42}
